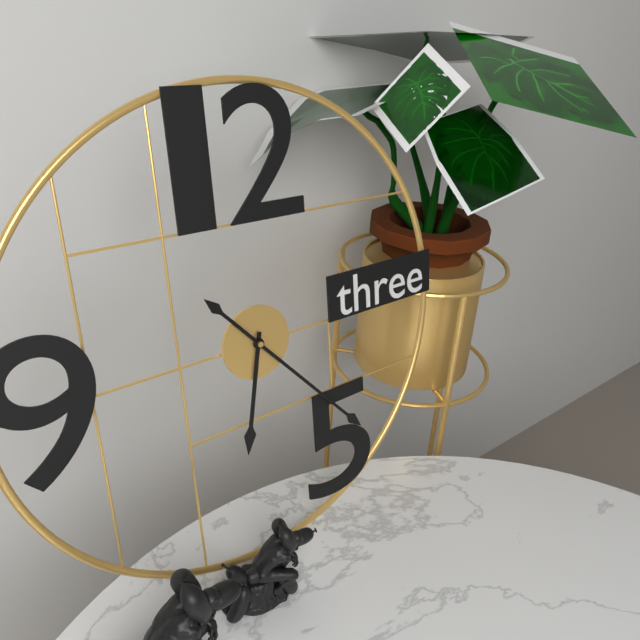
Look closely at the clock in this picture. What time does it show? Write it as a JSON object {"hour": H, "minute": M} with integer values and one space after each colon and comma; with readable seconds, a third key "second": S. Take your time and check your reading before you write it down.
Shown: {"hour": 6, "minute": 23}
